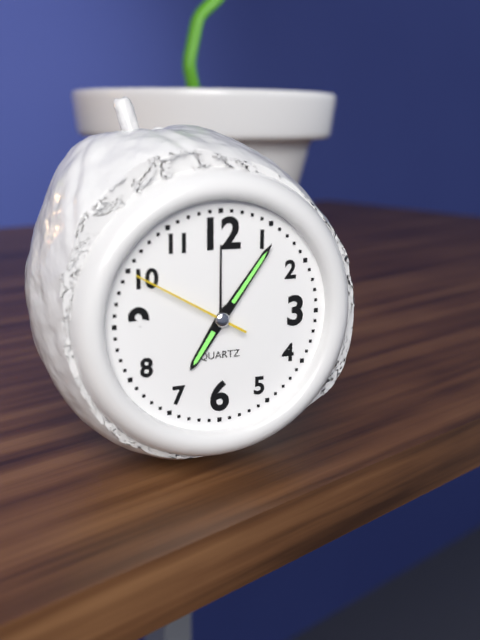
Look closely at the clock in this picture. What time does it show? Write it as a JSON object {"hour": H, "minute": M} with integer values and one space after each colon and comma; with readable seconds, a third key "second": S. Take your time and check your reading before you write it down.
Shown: {"hour": 7, "minute": 6, "second": 50}
